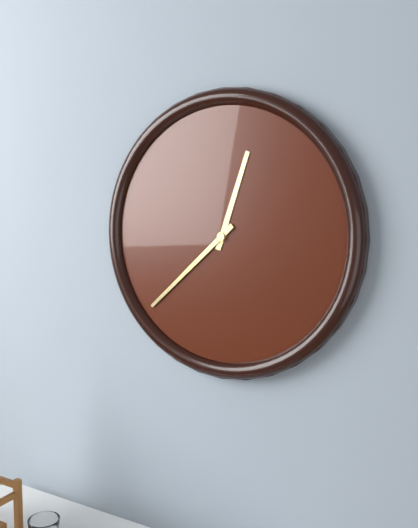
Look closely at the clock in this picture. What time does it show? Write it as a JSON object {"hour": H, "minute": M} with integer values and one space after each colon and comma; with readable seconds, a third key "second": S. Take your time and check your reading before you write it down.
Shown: {"hour": 12, "minute": 38}
